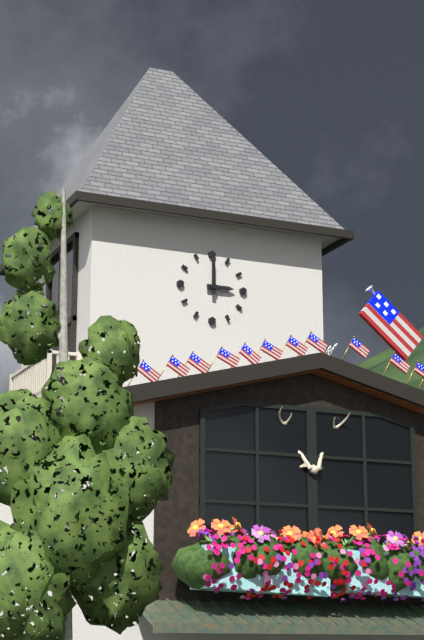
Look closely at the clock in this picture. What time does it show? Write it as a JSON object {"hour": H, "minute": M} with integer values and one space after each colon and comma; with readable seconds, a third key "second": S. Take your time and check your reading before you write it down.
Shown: {"hour": 3, "minute": 0}
